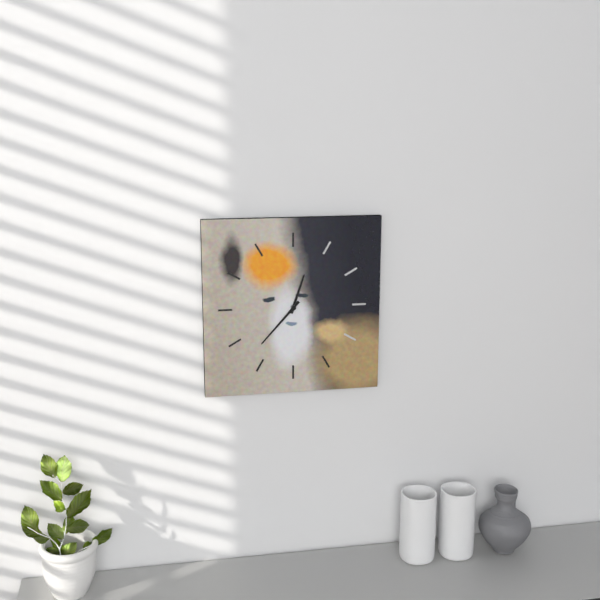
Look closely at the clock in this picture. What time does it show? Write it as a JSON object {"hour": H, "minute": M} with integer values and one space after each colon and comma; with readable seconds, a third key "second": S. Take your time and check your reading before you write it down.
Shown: {"hour": 12, "minute": 37}
